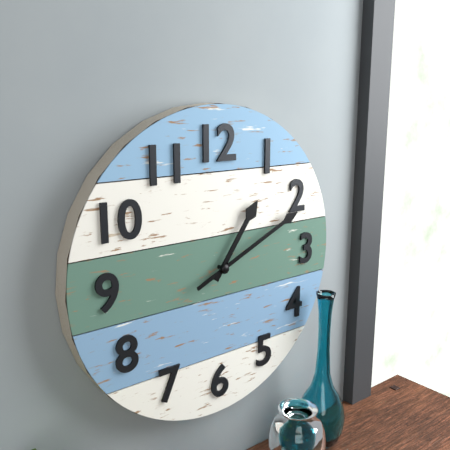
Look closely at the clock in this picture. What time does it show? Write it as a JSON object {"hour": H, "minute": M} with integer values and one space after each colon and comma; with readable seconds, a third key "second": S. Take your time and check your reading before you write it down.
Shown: {"hour": 1, "minute": 11}
